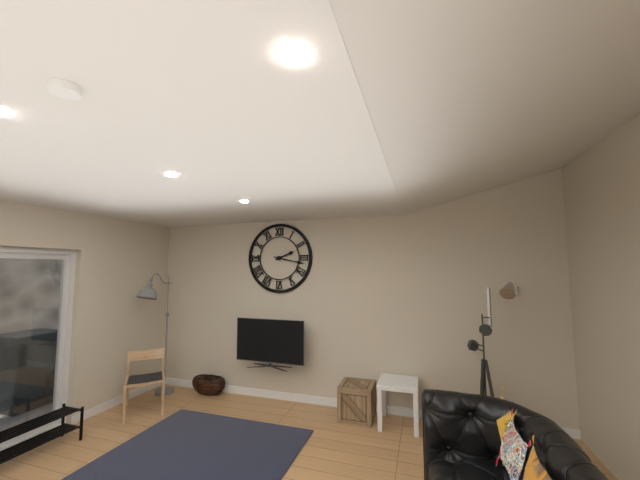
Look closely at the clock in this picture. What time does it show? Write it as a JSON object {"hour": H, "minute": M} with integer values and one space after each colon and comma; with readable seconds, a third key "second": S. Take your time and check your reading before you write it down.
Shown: {"hour": 2, "minute": 17}
